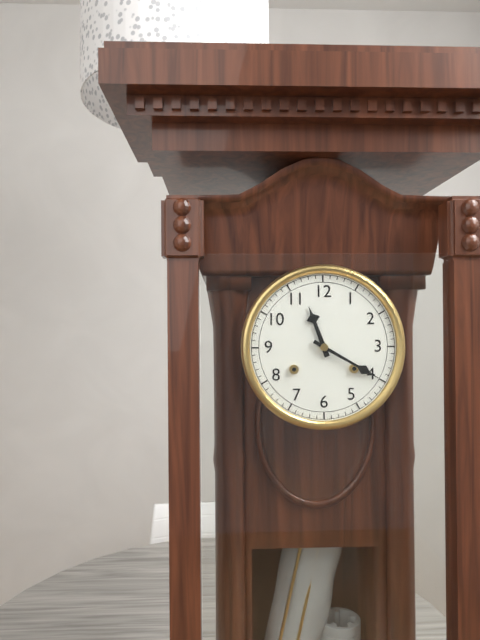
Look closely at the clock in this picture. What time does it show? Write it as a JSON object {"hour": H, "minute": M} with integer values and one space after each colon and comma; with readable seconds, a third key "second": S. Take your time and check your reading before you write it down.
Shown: {"hour": 11, "minute": 20}
